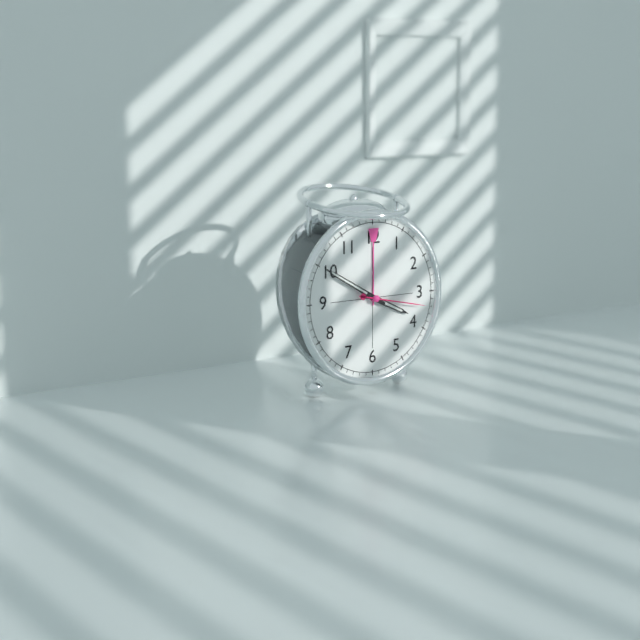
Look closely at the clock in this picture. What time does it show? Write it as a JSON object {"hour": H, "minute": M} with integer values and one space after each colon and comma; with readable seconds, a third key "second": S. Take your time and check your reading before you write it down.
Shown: {"hour": 3, "minute": 50, "second": 17}
